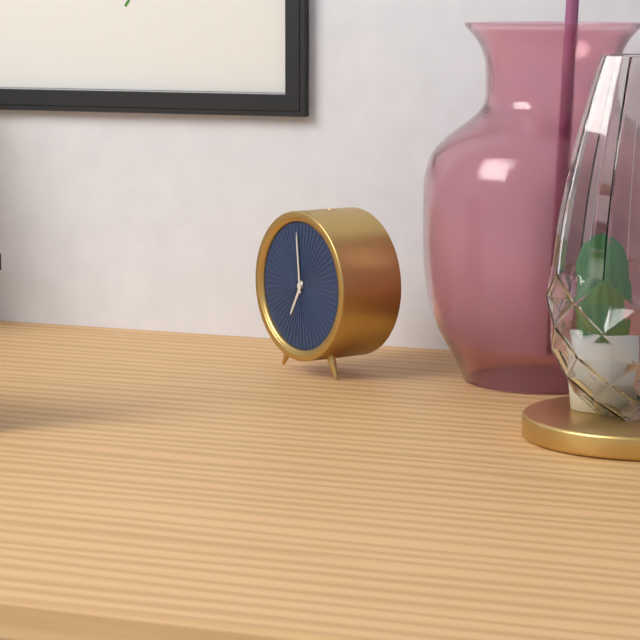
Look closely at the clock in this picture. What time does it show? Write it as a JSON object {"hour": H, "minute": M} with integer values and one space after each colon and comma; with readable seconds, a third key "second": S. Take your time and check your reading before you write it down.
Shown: {"hour": 6, "minute": 59}
